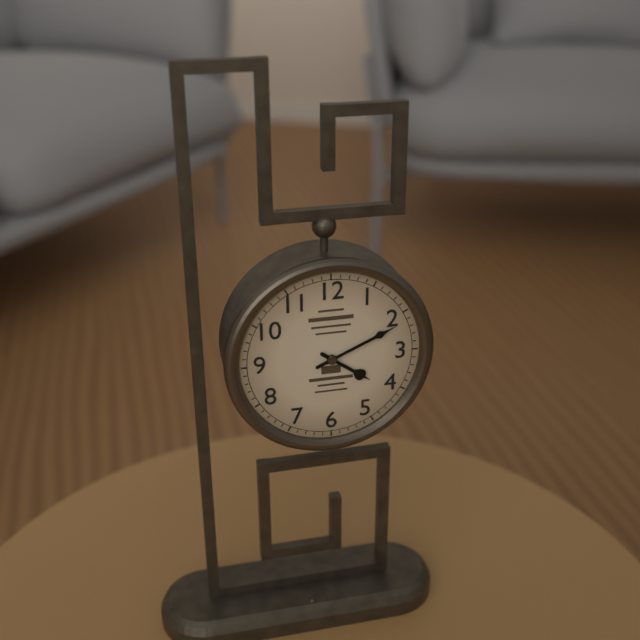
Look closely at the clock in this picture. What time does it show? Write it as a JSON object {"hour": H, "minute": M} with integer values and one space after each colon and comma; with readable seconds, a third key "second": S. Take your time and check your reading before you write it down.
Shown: {"hour": 4, "minute": 11}
